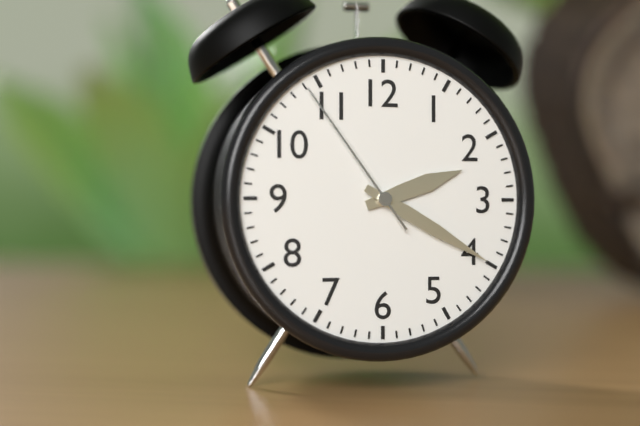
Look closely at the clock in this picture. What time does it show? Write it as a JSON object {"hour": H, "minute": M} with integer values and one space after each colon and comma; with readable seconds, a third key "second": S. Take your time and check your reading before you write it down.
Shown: {"hour": 2, "minute": 20, "second": 54}
